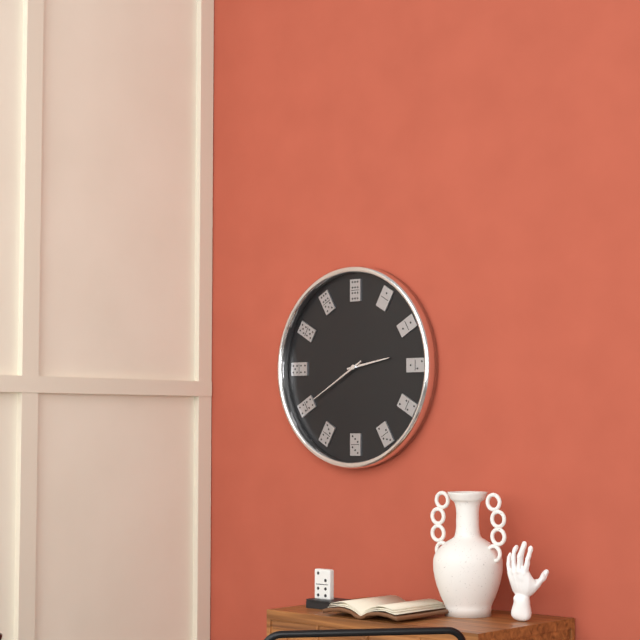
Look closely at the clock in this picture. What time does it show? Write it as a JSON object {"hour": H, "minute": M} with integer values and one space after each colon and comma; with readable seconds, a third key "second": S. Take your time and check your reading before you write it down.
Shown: {"hour": 2, "minute": 40}
